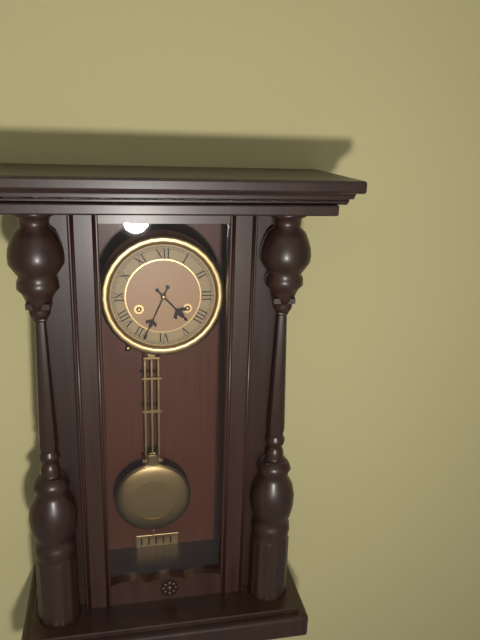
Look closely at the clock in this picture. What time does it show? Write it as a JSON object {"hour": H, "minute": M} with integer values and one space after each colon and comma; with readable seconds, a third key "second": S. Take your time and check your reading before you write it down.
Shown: {"hour": 4, "minute": 34}
